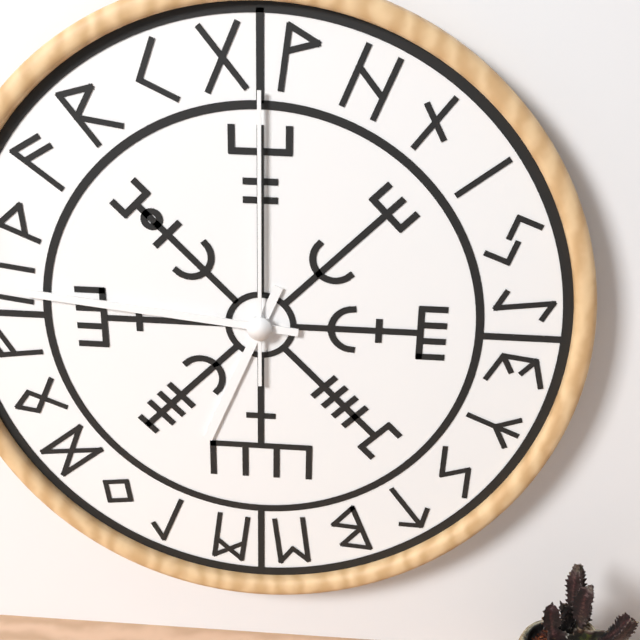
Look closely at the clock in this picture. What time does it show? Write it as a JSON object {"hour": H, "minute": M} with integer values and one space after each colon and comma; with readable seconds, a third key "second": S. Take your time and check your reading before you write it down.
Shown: {"hour": 6, "minute": 46, "second": 0}
